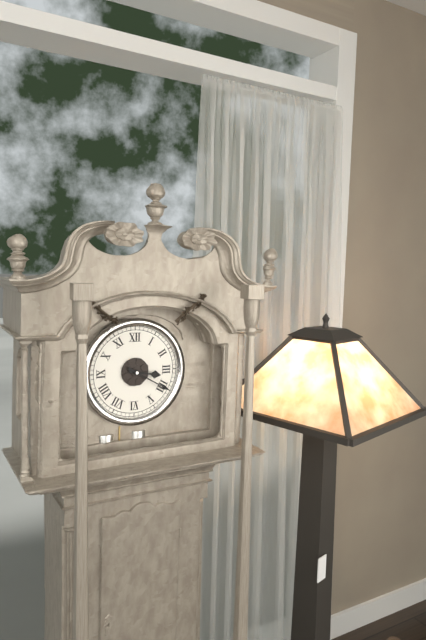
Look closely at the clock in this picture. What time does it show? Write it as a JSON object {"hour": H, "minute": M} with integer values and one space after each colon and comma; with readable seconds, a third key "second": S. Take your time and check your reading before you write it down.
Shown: {"hour": 3, "minute": 20}
